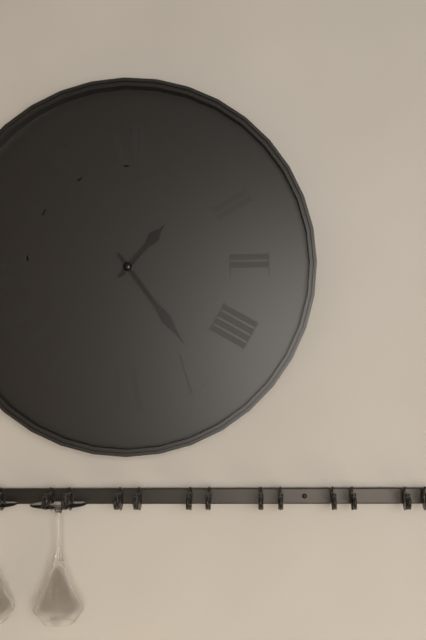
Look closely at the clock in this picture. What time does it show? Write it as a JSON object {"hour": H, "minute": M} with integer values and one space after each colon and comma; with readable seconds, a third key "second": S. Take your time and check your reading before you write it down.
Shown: {"hour": 1, "minute": 24}
